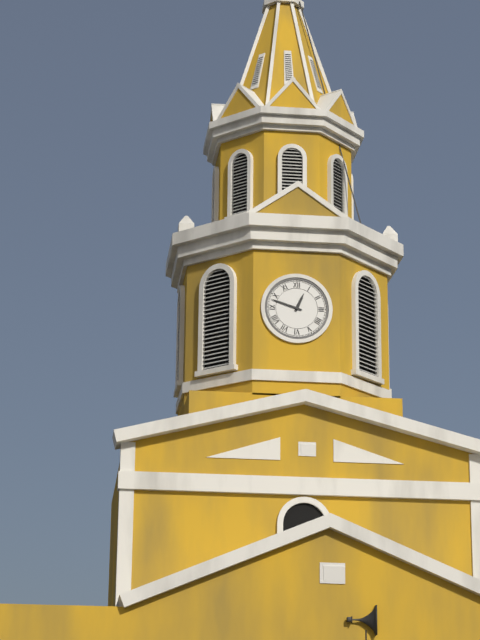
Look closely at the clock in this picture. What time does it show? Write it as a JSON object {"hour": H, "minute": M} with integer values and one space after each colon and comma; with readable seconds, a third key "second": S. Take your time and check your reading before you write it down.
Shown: {"hour": 12, "minute": 48}
